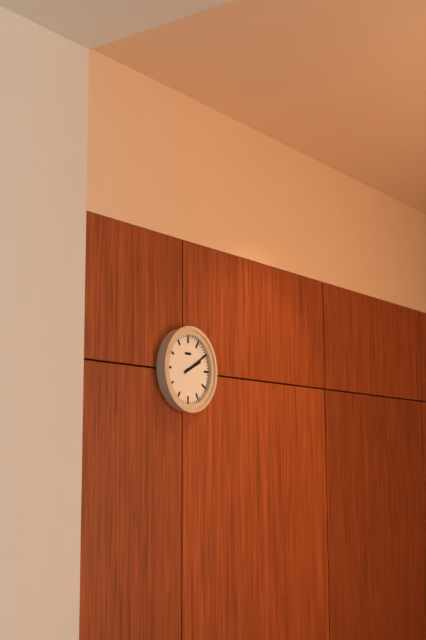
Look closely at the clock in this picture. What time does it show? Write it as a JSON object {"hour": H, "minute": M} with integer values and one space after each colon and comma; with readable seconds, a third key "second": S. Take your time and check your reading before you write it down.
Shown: {"hour": 2, "minute": 10}
